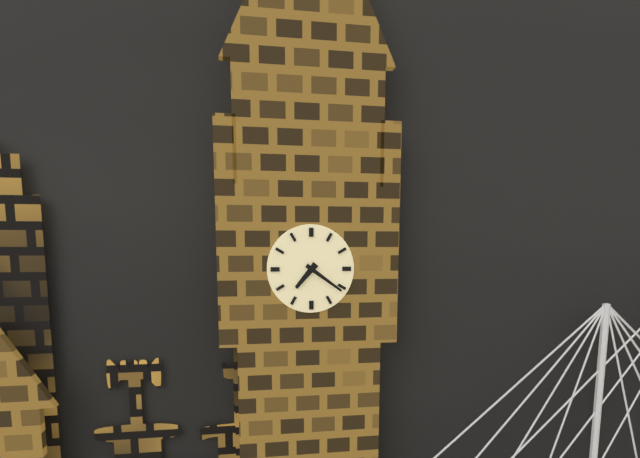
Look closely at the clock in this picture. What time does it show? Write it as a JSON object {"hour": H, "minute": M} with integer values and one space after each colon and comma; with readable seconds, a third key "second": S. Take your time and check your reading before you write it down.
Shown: {"hour": 7, "minute": 21}
